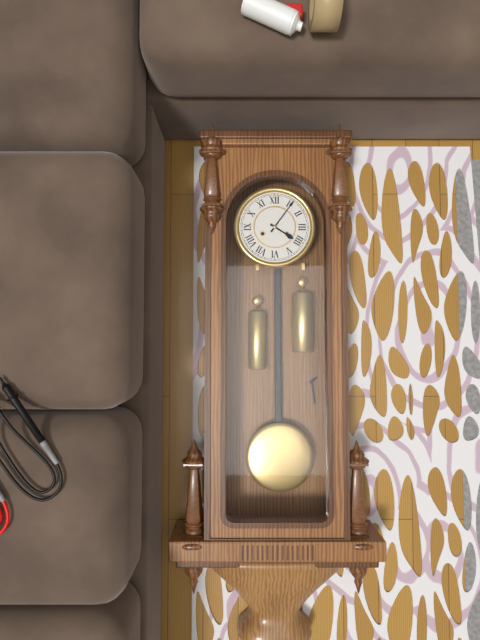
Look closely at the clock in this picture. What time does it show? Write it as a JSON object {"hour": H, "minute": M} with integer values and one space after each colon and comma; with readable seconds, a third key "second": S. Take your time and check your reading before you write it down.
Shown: {"hour": 4, "minute": 6}
